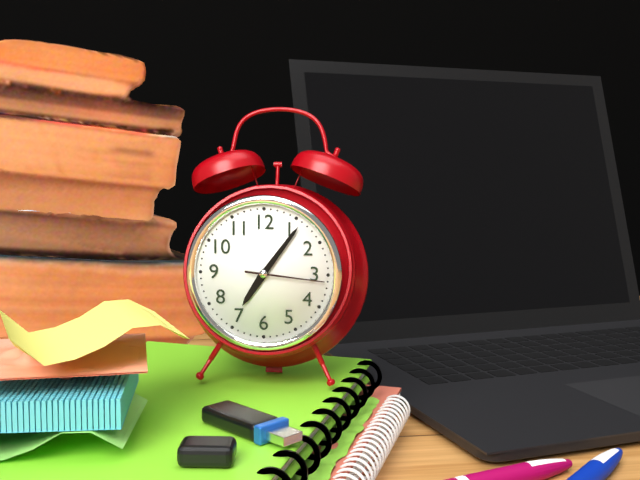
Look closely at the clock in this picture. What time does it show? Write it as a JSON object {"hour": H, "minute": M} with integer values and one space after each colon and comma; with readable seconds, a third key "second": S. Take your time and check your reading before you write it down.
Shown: {"hour": 7, "minute": 6, "second": 16}
